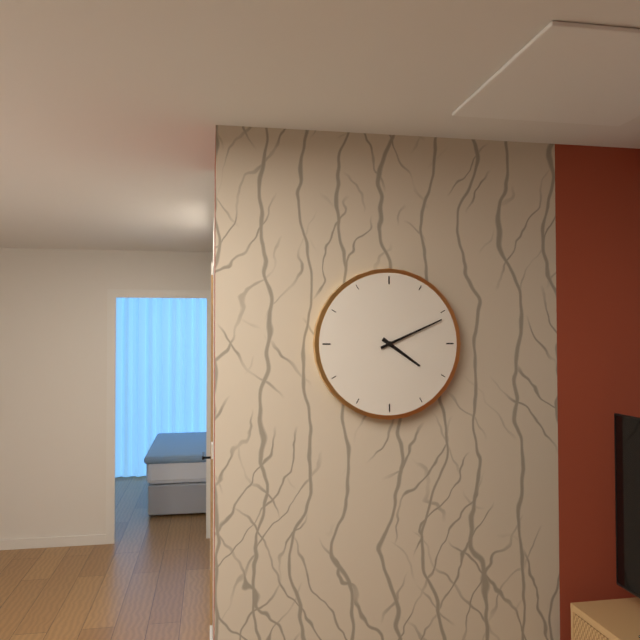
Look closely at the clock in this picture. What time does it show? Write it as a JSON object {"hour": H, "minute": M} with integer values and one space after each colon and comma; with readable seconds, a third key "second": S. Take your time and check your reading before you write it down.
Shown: {"hour": 4, "minute": 11}
